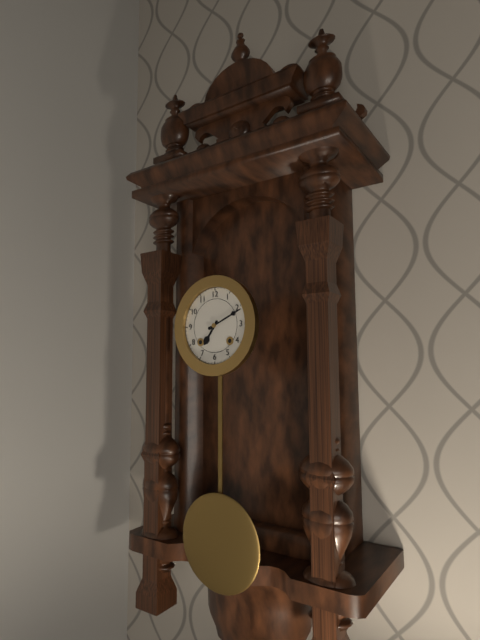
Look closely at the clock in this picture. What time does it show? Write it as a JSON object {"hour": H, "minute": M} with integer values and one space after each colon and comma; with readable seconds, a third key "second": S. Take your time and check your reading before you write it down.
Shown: {"hour": 7, "minute": 11}
